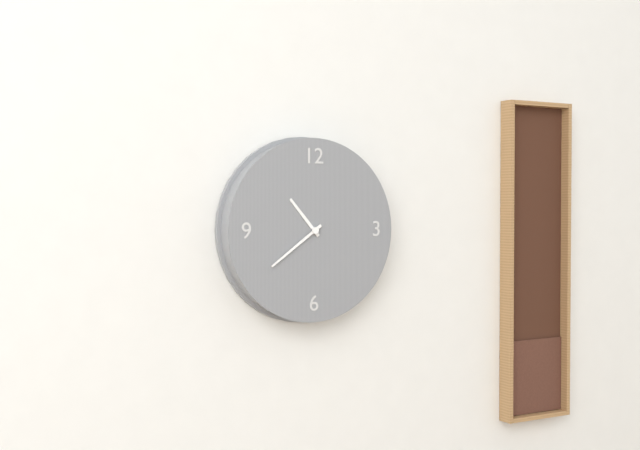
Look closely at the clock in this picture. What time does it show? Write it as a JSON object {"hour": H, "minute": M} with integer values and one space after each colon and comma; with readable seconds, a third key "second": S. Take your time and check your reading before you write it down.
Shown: {"hour": 10, "minute": 39}
